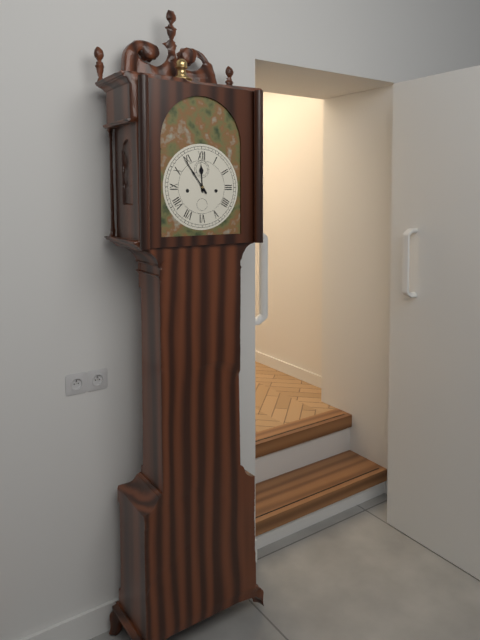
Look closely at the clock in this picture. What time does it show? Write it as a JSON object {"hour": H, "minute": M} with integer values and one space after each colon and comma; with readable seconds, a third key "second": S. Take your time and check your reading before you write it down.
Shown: {"hour": 11, "minute": 54}
